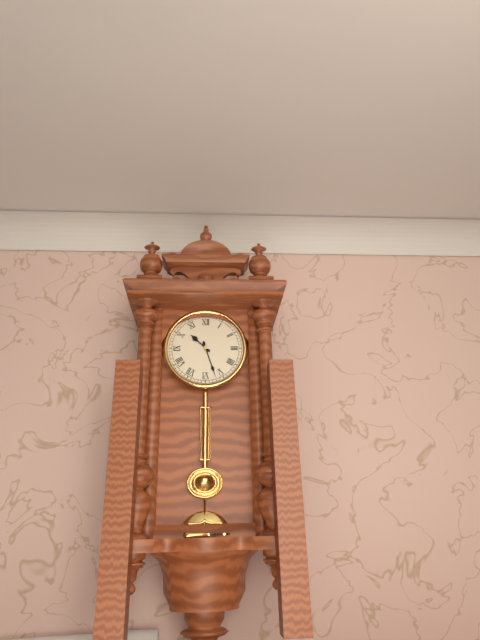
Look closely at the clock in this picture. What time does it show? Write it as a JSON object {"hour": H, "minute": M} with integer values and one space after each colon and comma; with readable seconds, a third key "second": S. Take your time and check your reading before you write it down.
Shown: {"hour": 10, "minute": 27}
